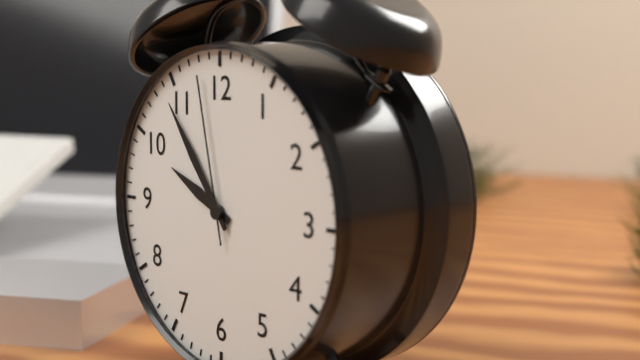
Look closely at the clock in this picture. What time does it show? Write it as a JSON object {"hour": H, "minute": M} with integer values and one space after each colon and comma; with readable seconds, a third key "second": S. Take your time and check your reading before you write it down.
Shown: {"hour": 9, "minute": 54, "second": 58}
